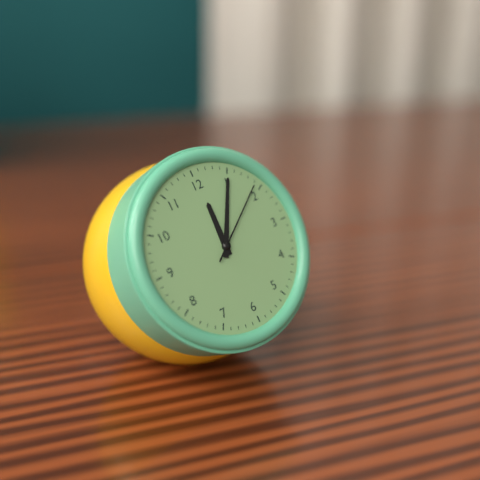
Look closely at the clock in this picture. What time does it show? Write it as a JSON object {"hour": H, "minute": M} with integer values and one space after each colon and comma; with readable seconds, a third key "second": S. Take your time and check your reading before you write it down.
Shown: {"hour": 12, "minute": 5, "second": 9}
